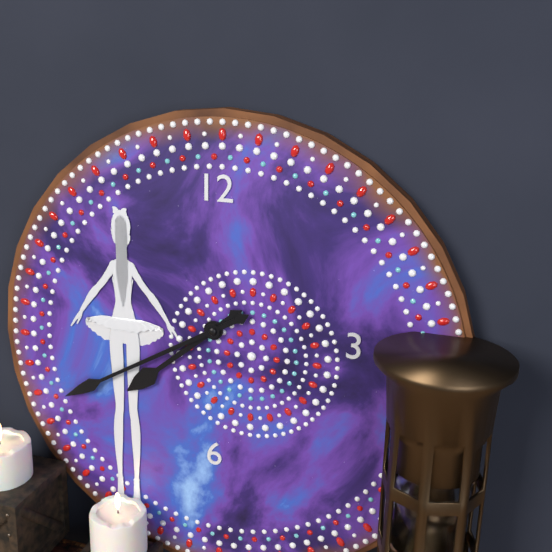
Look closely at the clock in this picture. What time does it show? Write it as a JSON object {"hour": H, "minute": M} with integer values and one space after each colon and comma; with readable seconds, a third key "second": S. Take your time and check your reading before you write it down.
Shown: {"hour": 7, "minute": 40}
